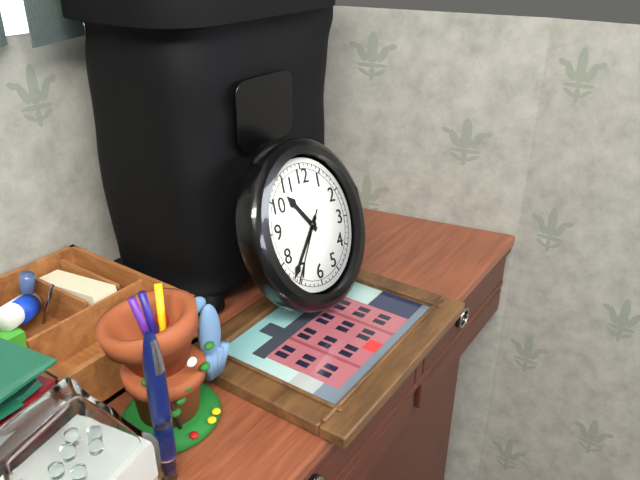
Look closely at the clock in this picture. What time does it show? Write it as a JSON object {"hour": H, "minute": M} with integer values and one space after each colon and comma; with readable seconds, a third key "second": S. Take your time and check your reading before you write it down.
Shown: {"hour": 10, "minute": 37, "second": 36}
